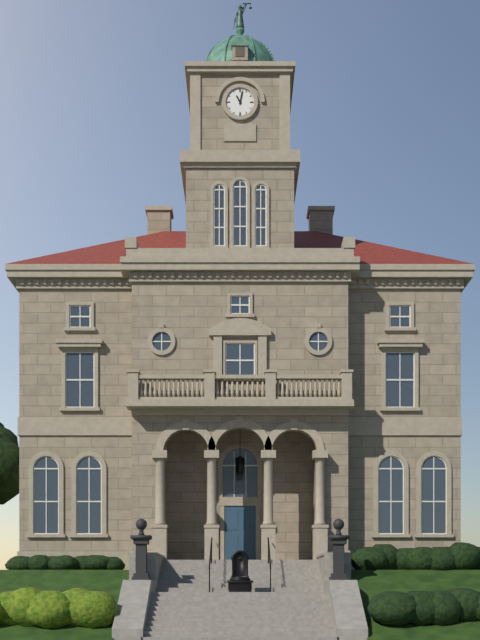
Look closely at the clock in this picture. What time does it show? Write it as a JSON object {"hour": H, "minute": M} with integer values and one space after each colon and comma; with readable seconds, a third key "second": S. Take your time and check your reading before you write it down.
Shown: {"hour": 11, "minute": 2}
